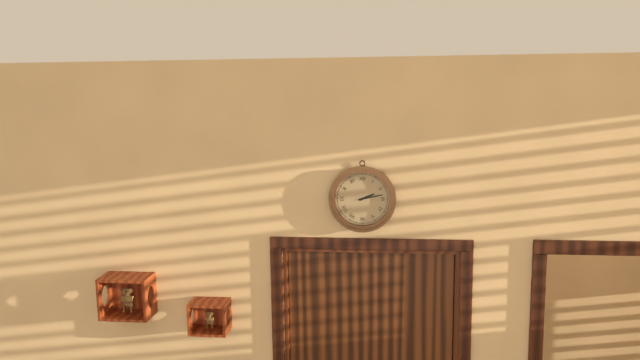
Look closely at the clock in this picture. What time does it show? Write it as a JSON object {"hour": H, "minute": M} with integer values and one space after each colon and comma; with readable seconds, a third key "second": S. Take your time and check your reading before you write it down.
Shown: {"hour": 2, "minute": 13}
